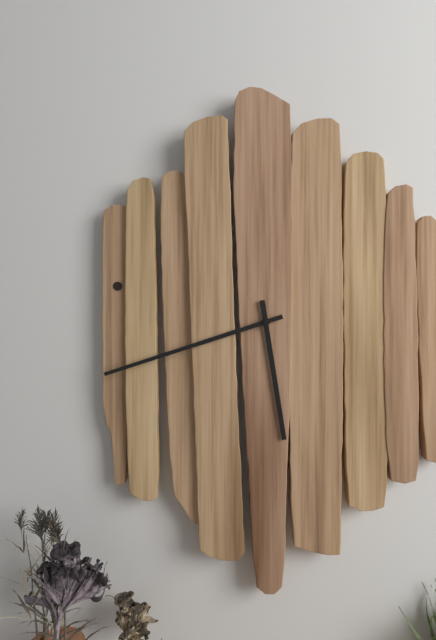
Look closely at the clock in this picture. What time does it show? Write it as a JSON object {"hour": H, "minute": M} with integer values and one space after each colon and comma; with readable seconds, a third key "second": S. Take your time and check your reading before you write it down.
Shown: {"hour": 5, "minute": 42}
